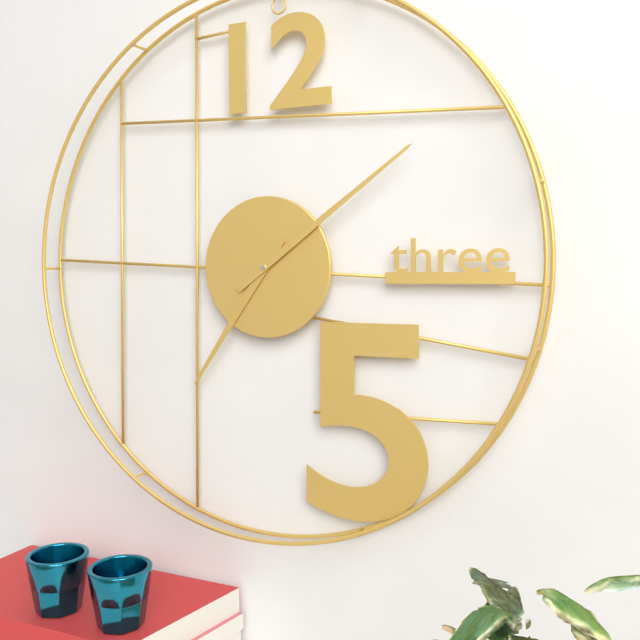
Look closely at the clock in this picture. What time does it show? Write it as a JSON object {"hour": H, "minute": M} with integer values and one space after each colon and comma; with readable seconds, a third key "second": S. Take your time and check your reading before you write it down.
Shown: {"hour": 7, "minute": 9}
